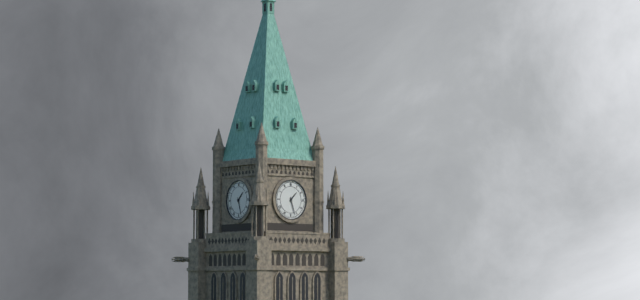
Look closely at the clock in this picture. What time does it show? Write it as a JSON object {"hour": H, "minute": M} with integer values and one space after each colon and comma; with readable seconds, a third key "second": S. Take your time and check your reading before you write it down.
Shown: {"hour": 1, "minute": 27}
